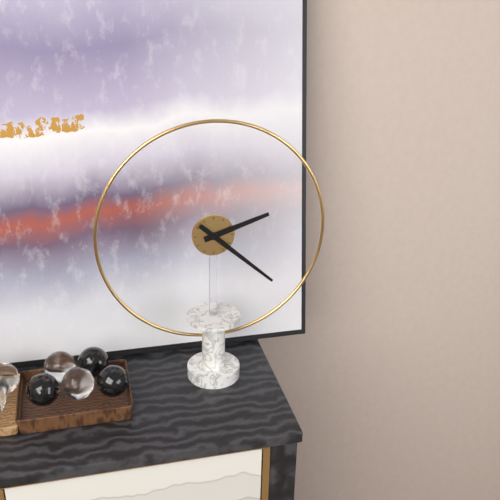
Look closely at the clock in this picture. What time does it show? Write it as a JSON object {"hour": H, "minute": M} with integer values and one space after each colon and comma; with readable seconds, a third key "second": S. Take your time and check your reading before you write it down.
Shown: {"hour": 2, "minute": 22}
